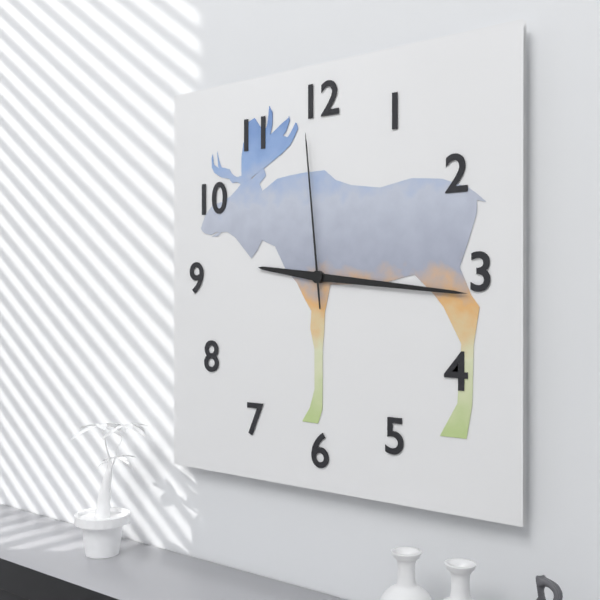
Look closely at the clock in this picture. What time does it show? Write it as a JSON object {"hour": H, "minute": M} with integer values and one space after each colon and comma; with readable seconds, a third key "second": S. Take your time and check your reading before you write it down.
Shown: {"hour": 9, "minute": 16, "second": 59}
